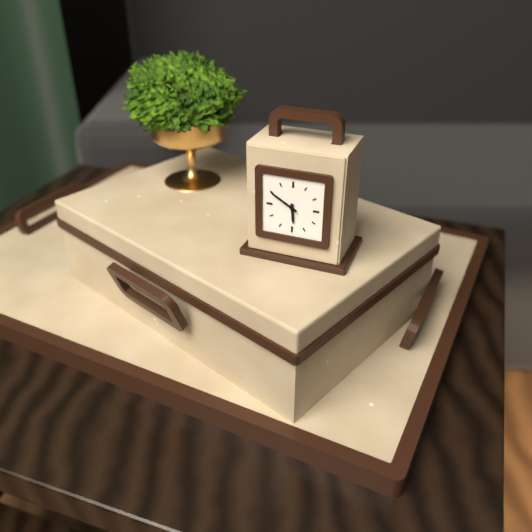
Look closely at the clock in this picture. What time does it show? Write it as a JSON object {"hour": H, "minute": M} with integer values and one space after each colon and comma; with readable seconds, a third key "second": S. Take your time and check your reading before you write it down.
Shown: {"hour": 5, "minute": 50}
